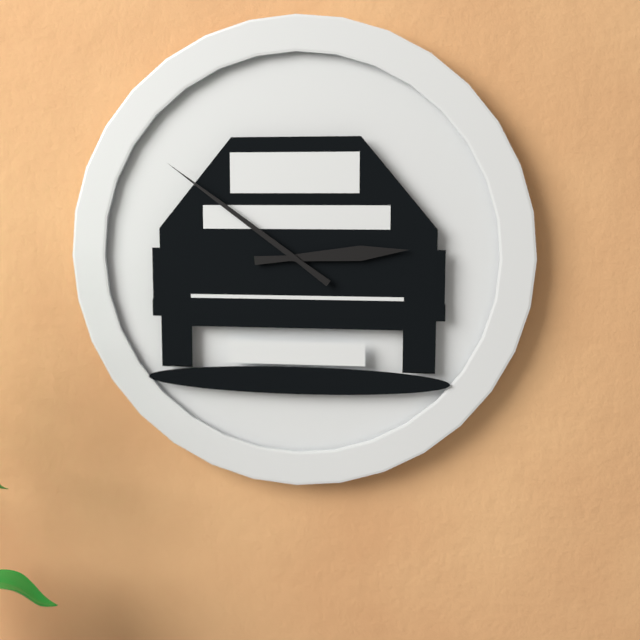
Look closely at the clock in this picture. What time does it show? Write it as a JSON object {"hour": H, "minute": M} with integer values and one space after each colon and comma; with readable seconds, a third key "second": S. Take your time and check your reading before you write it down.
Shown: {"hour": 2, "minute": 51}
